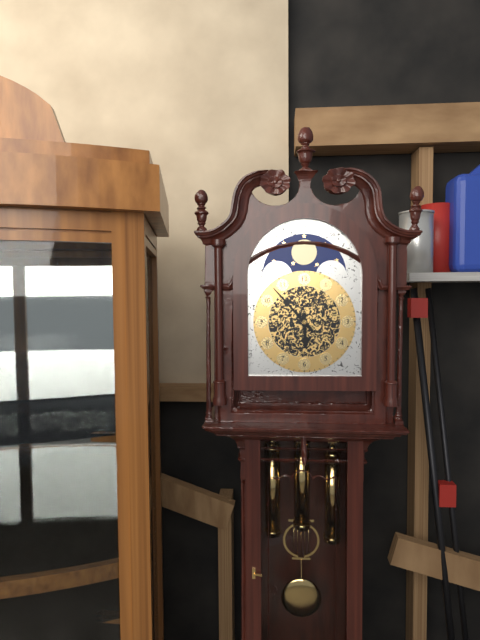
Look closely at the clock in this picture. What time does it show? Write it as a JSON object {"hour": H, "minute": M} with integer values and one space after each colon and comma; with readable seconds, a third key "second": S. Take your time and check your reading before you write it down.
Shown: {"hour": 5, "minute": 53}
